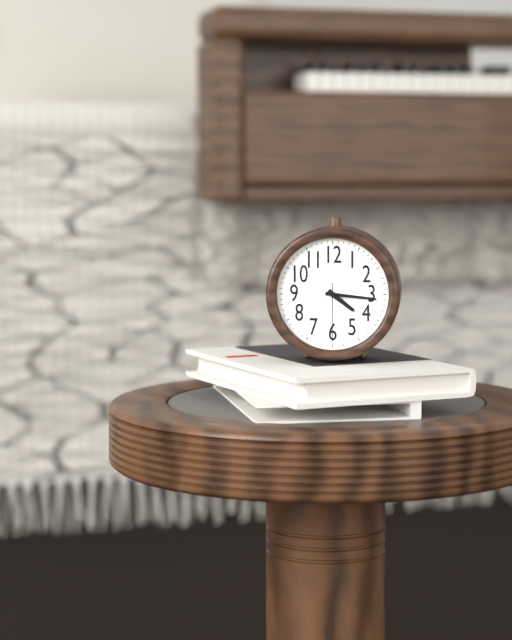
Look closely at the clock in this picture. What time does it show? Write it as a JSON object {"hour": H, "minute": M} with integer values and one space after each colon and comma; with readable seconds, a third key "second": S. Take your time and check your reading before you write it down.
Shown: {"hour": 4, "minute": 16, "second": 30}
